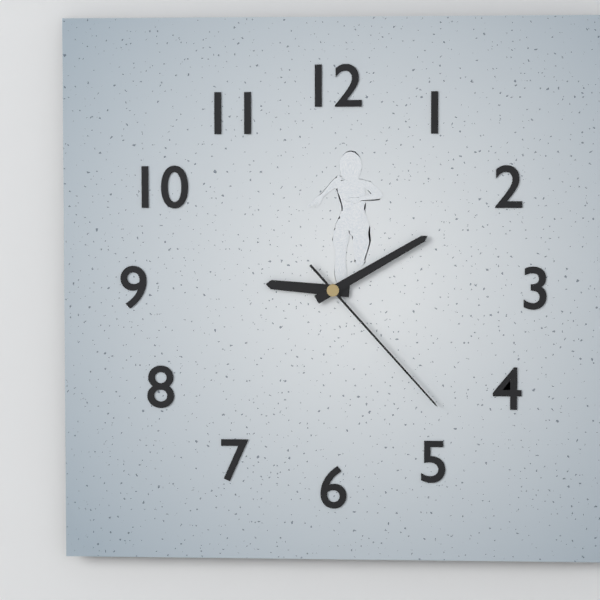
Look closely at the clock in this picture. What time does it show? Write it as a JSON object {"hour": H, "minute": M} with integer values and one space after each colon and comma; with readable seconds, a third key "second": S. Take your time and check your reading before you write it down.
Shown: {"hour": 9, "minute": 10, "second": 23}
